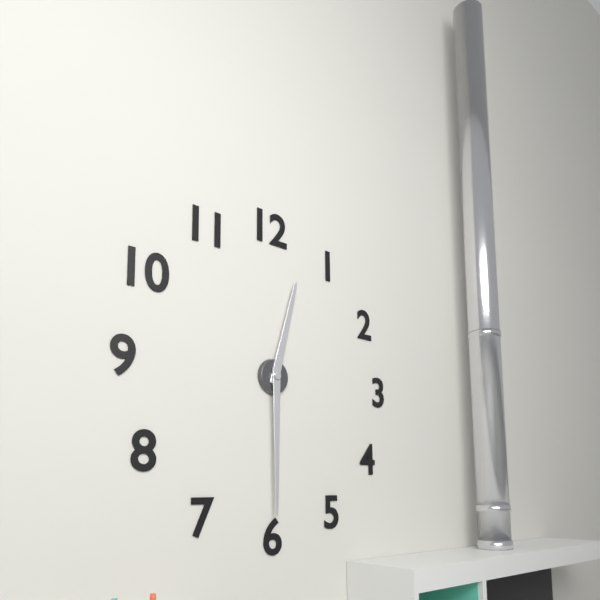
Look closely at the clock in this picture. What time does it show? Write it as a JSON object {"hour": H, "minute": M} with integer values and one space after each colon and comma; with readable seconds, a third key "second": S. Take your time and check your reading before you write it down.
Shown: {"hour": 12, "minute": 30}
